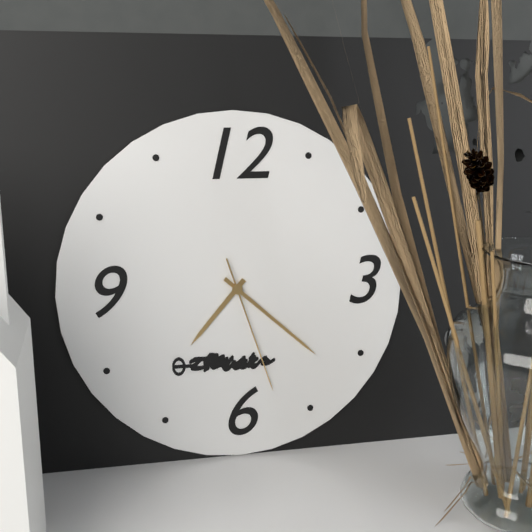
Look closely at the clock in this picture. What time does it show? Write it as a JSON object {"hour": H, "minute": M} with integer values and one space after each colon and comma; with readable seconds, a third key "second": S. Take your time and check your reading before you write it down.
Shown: {"hour": 7, "minute": 22, "second": 27}
